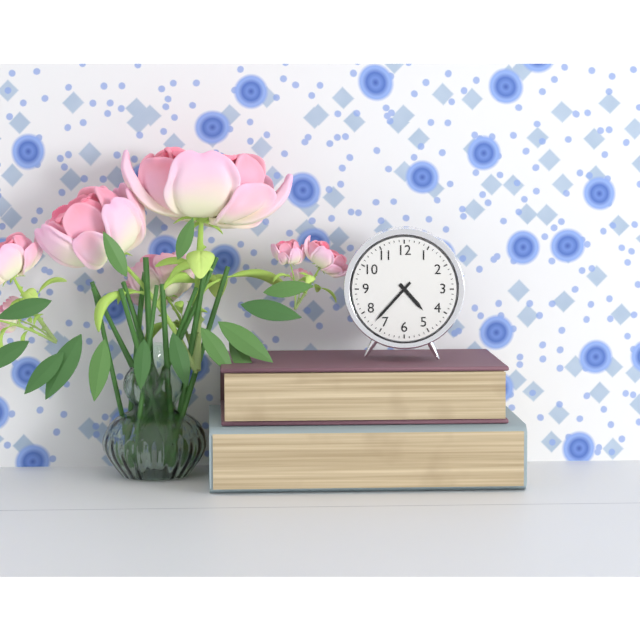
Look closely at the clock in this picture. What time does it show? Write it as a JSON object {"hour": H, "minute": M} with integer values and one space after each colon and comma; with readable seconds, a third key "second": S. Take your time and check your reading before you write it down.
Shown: {"hour": 4, "minute": 37}
